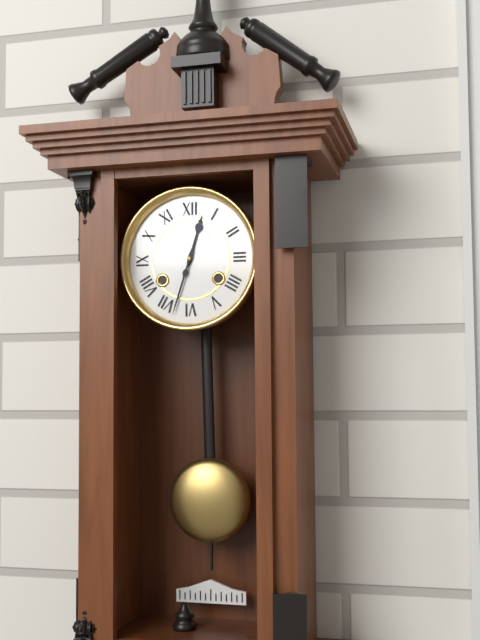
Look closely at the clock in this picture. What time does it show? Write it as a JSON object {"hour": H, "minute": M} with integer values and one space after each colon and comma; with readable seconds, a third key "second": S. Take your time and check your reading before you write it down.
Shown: {"hour": 12, "minute": 33}
